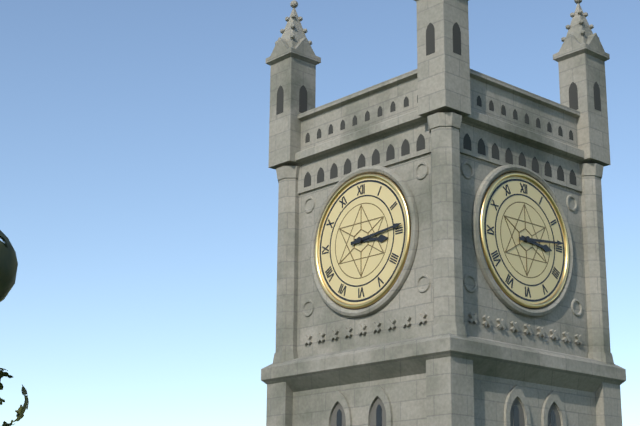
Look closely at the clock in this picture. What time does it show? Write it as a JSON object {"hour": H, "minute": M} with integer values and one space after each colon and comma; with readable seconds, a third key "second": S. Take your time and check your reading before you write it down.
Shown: {"hour": 3, "minute": 14}
